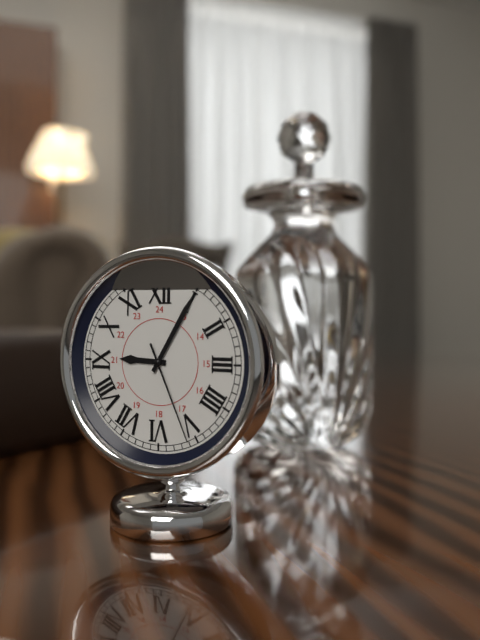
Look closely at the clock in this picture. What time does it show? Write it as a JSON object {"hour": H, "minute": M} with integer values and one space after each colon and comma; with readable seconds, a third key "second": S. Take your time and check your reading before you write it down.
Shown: {"hour": 9, "minute": 5, "second": 26}
